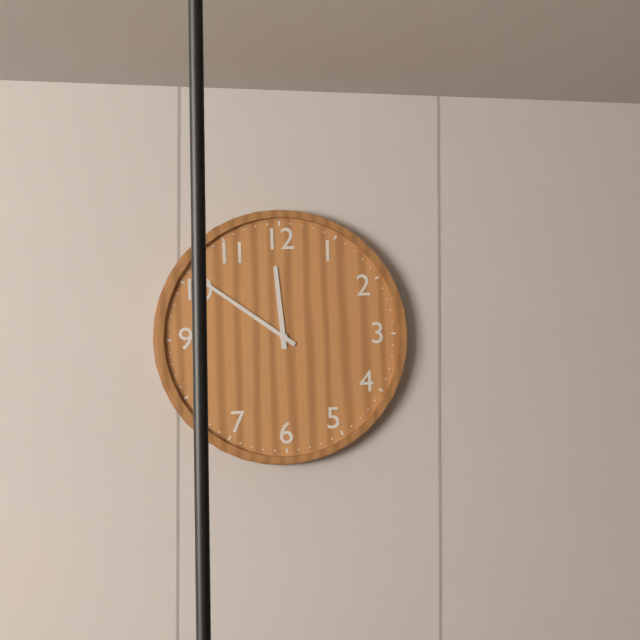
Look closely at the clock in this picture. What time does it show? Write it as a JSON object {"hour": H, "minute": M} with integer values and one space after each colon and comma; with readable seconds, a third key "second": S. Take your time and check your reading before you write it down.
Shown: {"hour": 11, "minute": 51}
